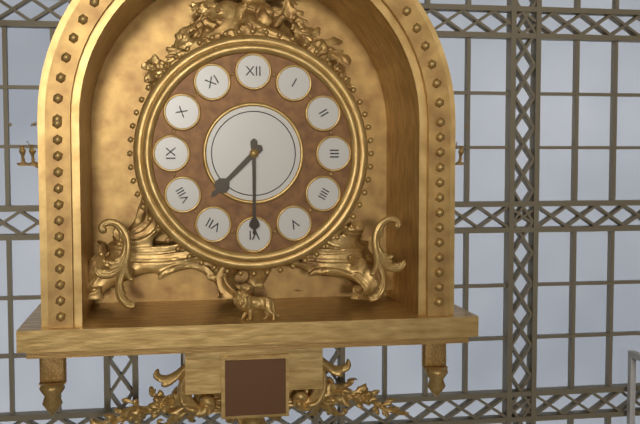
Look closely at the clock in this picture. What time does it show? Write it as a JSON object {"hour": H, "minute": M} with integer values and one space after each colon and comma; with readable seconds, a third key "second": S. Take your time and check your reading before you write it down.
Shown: {"hour": 7, "minute": 30}
